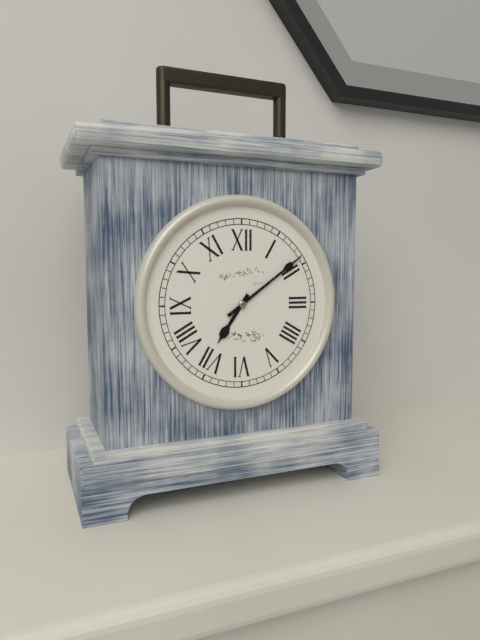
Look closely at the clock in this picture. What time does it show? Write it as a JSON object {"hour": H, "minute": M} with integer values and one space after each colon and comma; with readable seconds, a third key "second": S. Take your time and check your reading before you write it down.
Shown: {"hour": 7, "minute": 9}
